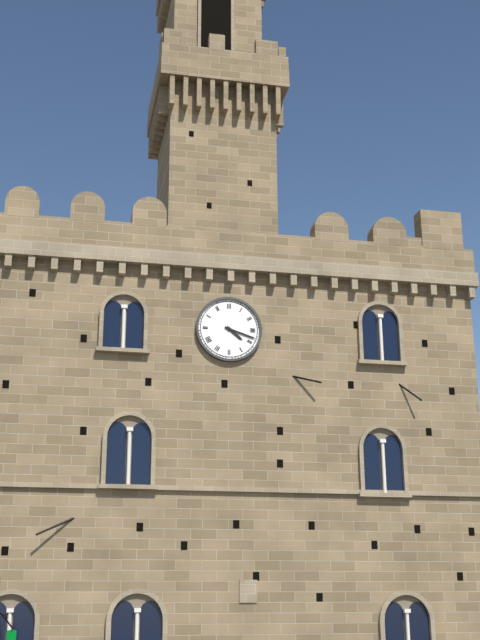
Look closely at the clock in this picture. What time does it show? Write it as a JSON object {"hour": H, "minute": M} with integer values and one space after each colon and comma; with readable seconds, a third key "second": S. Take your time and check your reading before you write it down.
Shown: {"hour": 4, "minute": 18}
